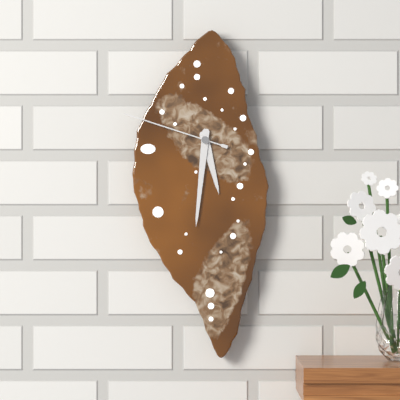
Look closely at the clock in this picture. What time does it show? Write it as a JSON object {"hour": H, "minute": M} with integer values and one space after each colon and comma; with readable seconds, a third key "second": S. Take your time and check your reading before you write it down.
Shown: {"hour": 5, "minute": 31, "second": 48}
